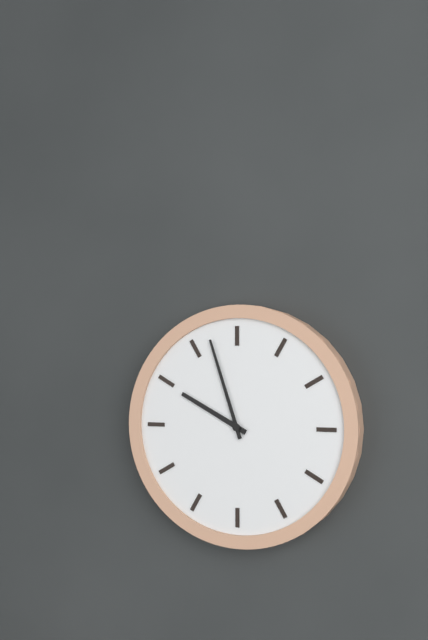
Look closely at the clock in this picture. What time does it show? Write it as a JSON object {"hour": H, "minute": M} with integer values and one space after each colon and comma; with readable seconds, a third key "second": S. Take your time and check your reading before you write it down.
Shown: {"hour": 9, "minute": 57}
